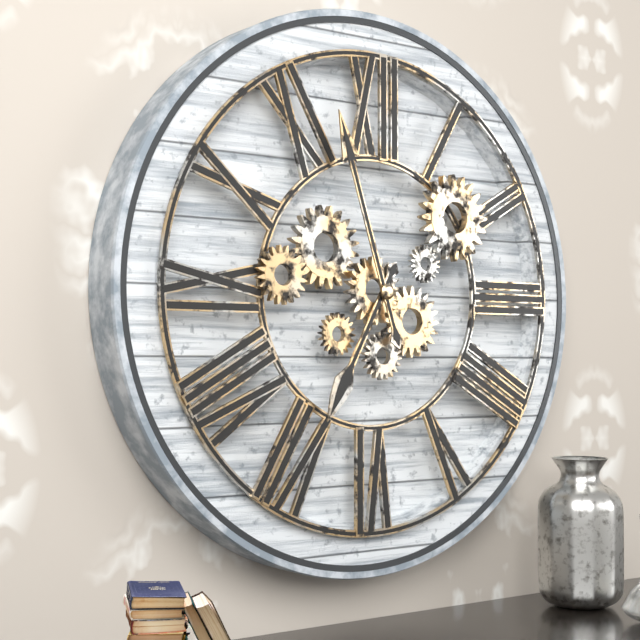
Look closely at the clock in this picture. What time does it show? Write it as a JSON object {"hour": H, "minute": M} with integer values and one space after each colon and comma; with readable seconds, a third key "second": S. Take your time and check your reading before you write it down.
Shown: {"hour": 6, "minute": 57}
